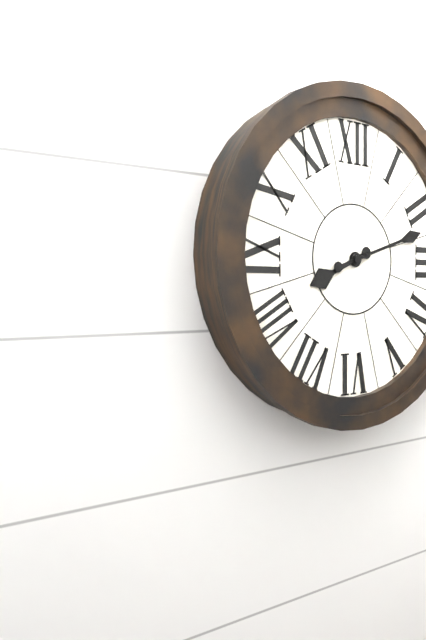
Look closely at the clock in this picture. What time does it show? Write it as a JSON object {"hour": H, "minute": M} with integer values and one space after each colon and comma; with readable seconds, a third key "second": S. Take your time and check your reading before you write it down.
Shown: {"hour": 8, "minute": 12}
